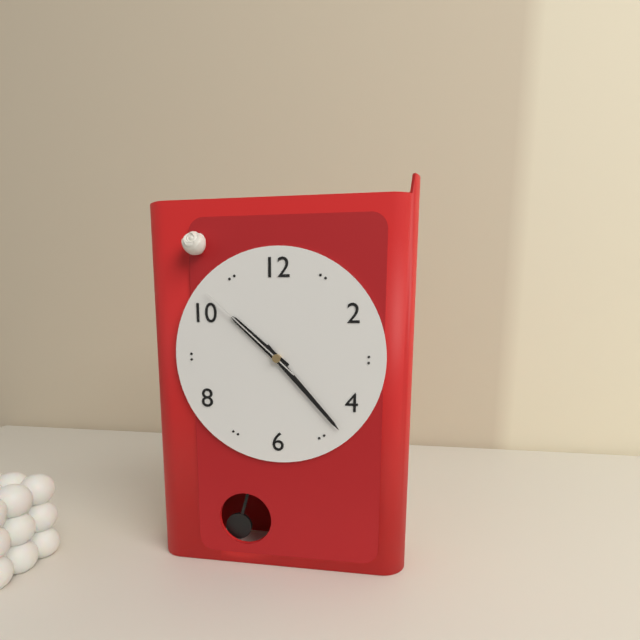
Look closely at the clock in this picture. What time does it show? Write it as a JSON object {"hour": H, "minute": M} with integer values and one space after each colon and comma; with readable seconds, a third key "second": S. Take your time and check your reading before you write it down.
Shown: {"hour": 10, "minute": 23, "second": 52}
